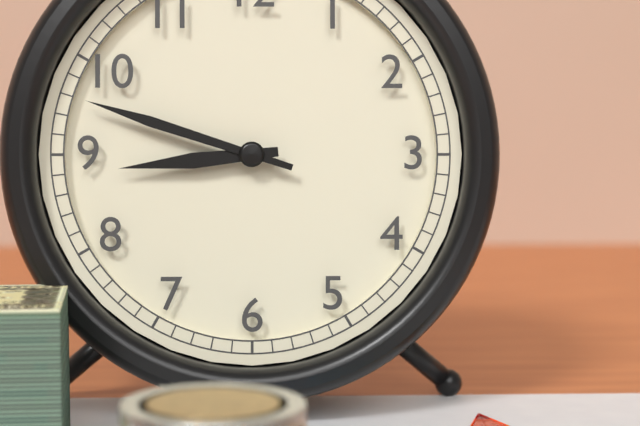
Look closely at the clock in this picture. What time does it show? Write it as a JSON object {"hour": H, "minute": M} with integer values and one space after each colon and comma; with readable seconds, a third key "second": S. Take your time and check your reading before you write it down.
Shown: {"hour": 8, "minute": 48}
